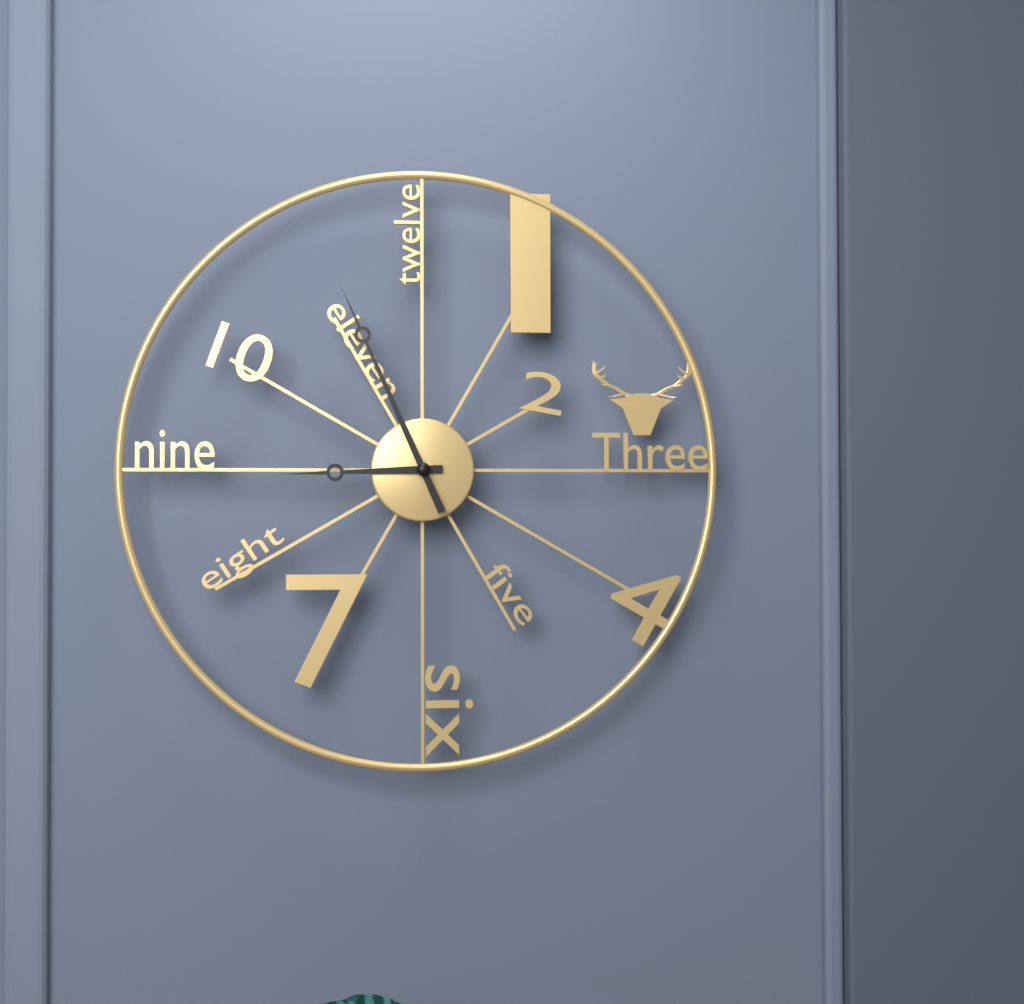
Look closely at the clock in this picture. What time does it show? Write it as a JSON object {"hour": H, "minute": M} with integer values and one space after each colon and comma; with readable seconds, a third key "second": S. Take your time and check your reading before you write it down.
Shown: {"hour": 8, "minute": 56}
